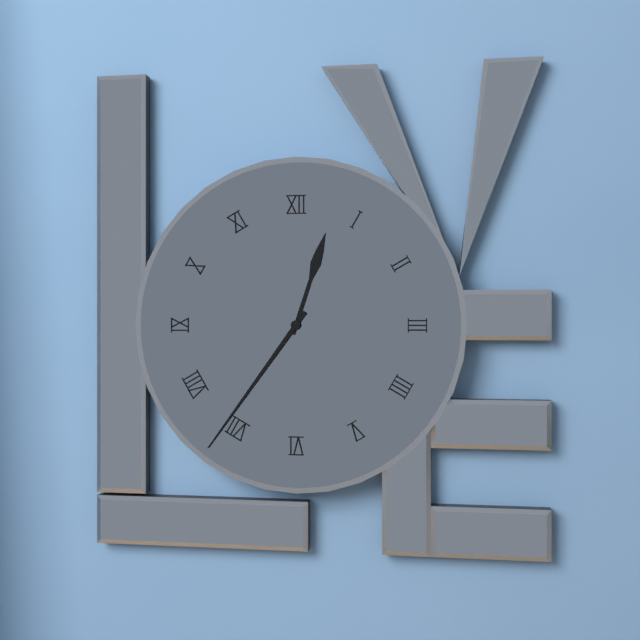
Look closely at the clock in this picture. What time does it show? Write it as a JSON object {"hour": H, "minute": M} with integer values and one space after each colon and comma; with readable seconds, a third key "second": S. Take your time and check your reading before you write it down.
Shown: {"hour": 12, "minute": 36}
